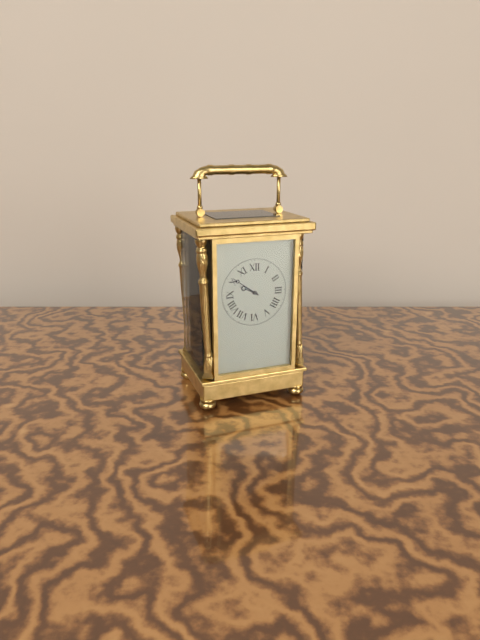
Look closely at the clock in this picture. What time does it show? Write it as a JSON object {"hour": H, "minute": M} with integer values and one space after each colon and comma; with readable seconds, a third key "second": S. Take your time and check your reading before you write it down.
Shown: {"hour": 9, "minute": 51}
